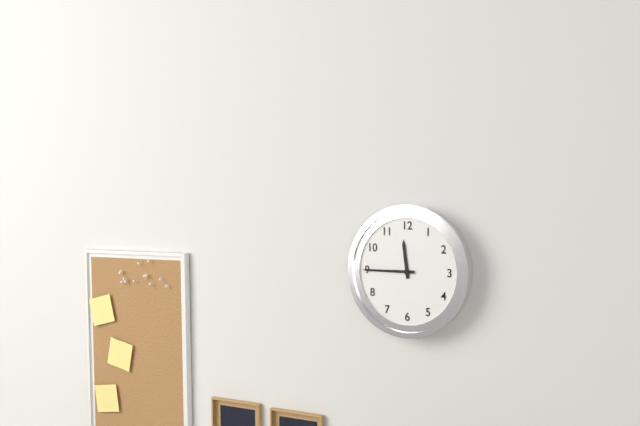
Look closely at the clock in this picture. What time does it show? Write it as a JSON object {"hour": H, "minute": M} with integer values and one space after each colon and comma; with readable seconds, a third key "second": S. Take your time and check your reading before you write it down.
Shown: {"hour": 11, "minute": 45}
